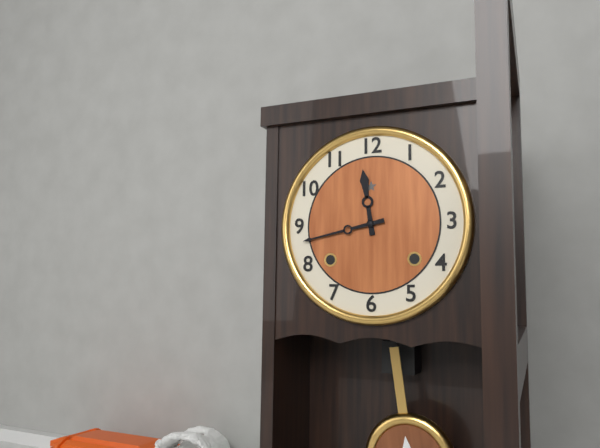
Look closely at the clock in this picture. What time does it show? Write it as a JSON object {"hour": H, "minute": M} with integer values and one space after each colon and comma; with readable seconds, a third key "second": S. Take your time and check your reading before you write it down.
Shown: {"hour": 11, "minute": 43}
